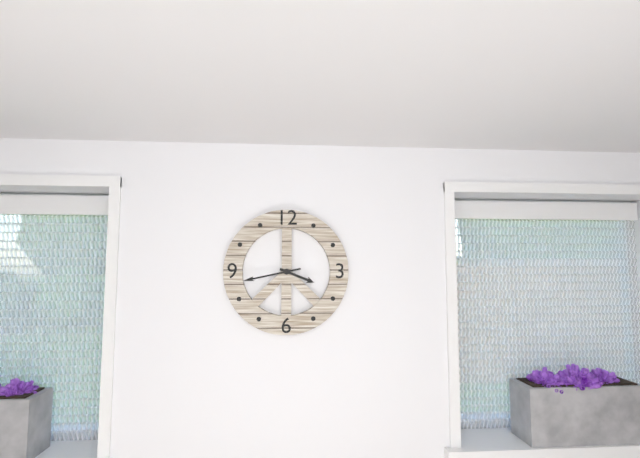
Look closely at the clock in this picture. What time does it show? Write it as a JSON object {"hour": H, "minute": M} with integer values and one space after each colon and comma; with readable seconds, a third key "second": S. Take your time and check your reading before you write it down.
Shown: {"hour": 3, "minute": 43}
